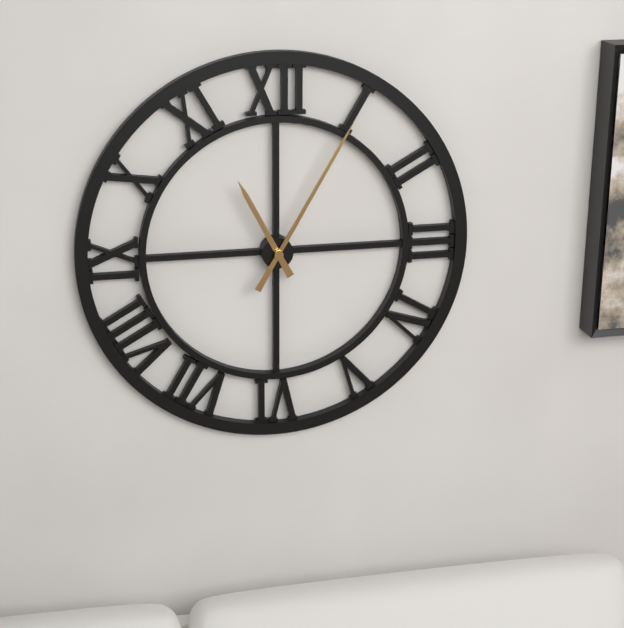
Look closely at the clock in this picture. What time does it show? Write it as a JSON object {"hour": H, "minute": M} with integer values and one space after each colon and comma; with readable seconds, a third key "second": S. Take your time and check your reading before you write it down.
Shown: {"hour": 11, "minute": 5}
